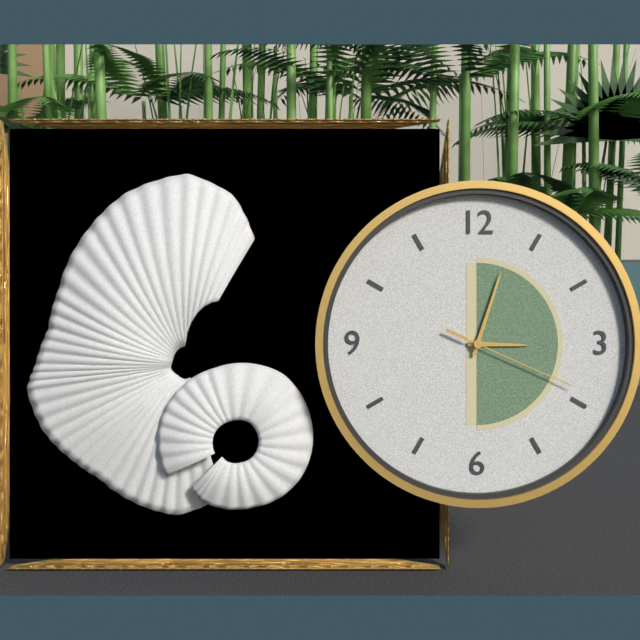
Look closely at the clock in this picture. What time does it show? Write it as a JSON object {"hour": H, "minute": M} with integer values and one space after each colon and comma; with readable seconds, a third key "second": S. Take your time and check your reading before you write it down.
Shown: {"hour": 3, "minute": 3, "second": 19}
